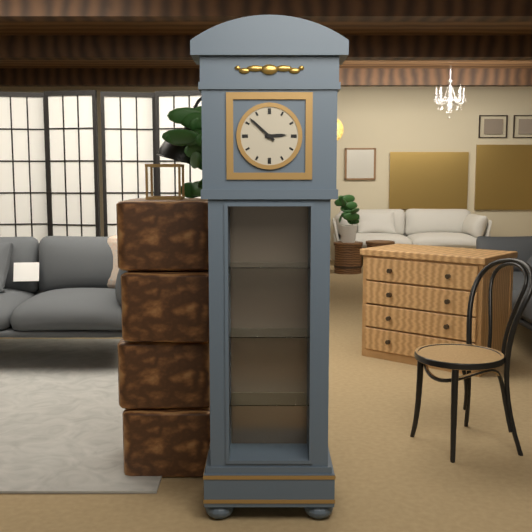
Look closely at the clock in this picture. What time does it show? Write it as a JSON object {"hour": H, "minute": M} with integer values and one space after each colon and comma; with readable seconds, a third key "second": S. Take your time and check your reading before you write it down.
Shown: {"hour": 2, "minute": 52}
